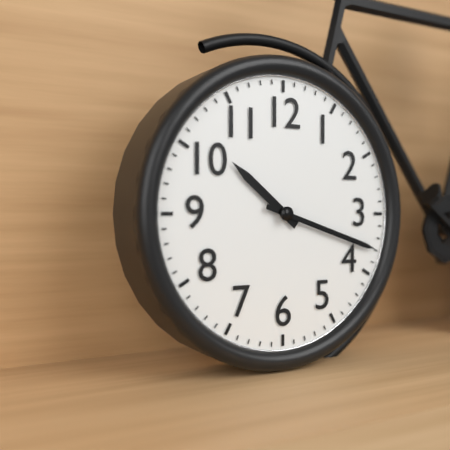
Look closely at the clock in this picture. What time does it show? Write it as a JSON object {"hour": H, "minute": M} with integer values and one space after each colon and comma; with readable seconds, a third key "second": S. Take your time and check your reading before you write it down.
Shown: {"hour": 10, "minute": 18}
